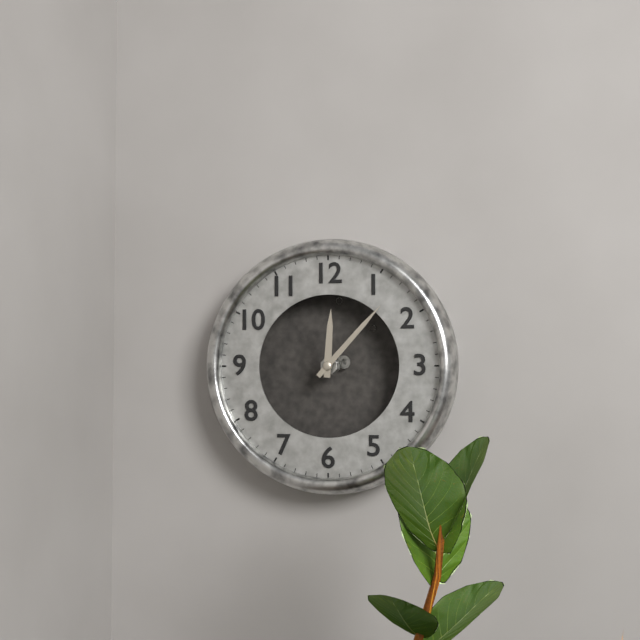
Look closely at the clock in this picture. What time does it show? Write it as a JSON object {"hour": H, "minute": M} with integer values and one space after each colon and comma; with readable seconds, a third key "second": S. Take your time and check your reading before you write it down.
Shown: {"hour": 12, "minute": 7}
